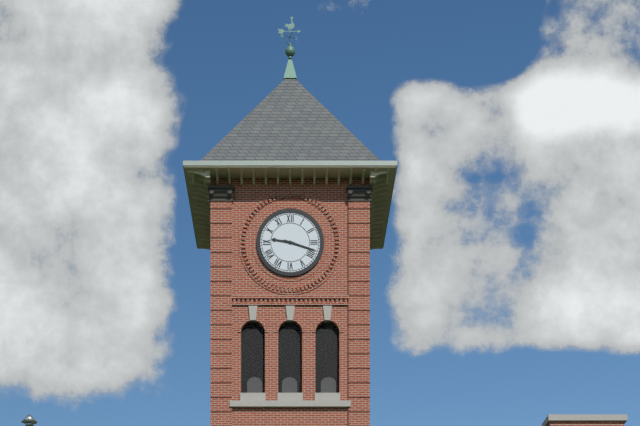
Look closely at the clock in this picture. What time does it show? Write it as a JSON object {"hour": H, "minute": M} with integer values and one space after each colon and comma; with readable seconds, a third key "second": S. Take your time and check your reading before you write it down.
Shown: {"hour": 9, "minute": 18}
